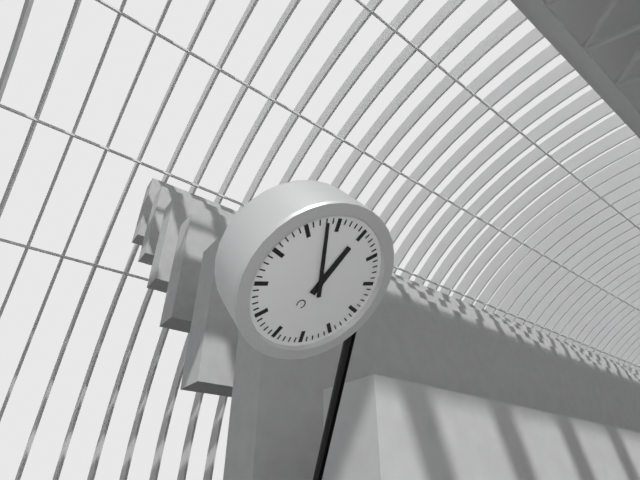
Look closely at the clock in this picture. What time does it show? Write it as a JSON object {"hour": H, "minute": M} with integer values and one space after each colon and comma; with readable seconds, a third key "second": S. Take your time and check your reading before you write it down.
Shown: {"hour": 11, "minute": 53}
